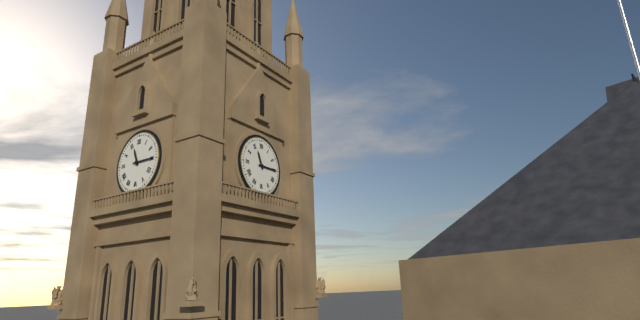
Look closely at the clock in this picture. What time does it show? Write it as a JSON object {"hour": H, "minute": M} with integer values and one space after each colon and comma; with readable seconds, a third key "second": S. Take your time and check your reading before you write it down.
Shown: {"hour": 11, "minute": 15}
